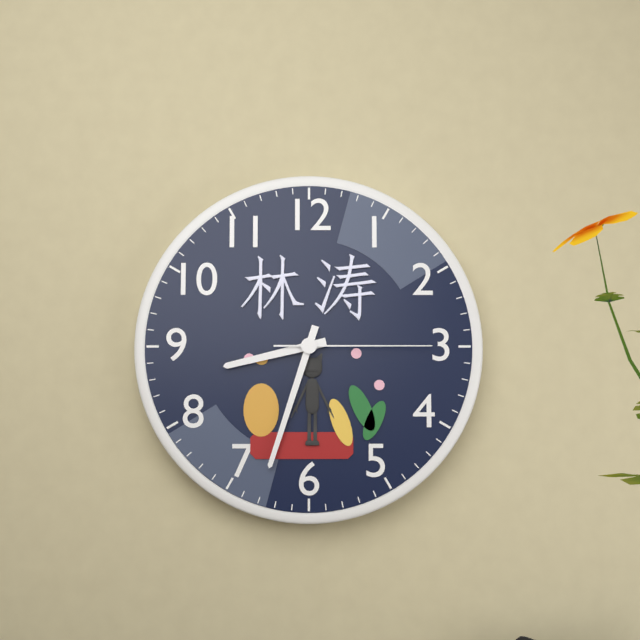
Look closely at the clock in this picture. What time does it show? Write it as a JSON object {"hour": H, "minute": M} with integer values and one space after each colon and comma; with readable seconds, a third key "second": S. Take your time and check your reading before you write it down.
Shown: {"hour": 8, "minute": 33, "second": 15}
